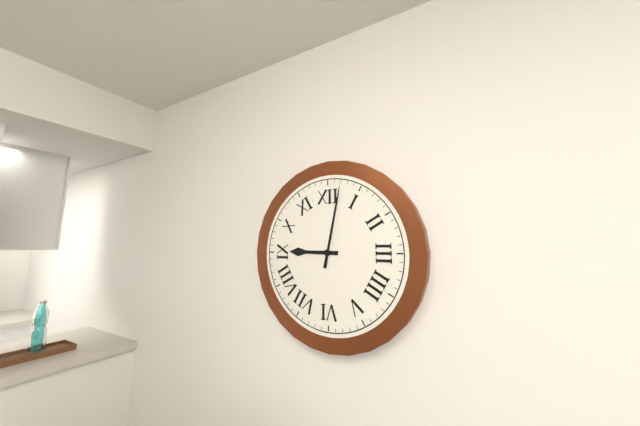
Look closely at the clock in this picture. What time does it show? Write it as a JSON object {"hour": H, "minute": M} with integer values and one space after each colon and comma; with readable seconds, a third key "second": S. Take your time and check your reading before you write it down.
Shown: {"hour": 9, "minute": 2}
